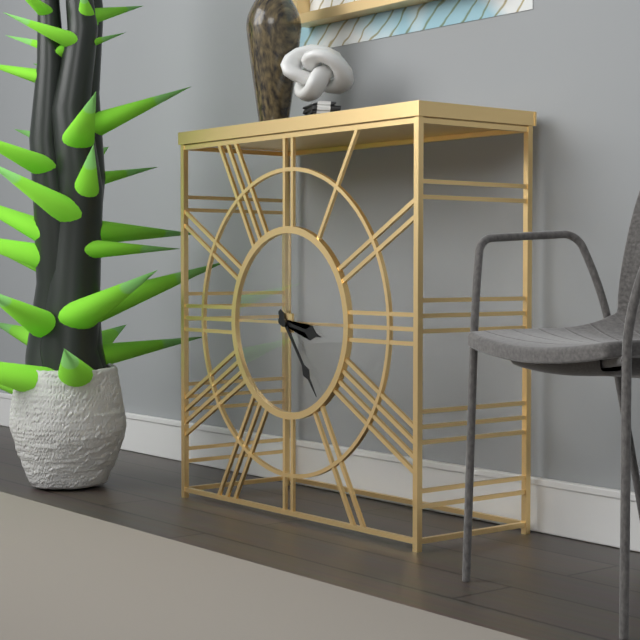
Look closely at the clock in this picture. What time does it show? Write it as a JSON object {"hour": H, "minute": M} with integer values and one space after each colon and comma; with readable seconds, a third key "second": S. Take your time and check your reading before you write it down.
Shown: {"hour": 3, "minute": 24}
